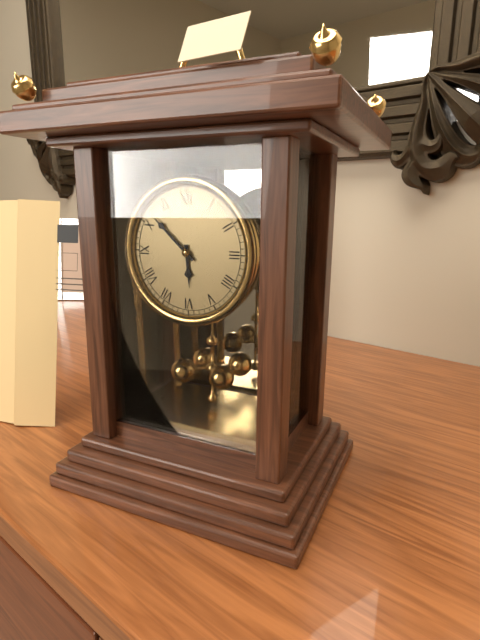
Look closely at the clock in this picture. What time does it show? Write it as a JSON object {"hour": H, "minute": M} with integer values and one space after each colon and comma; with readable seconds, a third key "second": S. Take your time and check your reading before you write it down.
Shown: {"hour": 5, "minute": 52}
